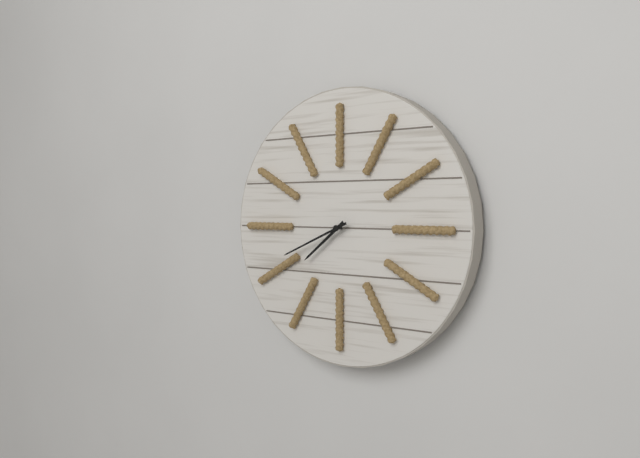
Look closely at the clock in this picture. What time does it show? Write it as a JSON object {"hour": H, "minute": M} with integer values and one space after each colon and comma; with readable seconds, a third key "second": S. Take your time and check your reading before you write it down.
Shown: {"hour": 7, "minute": 41}
